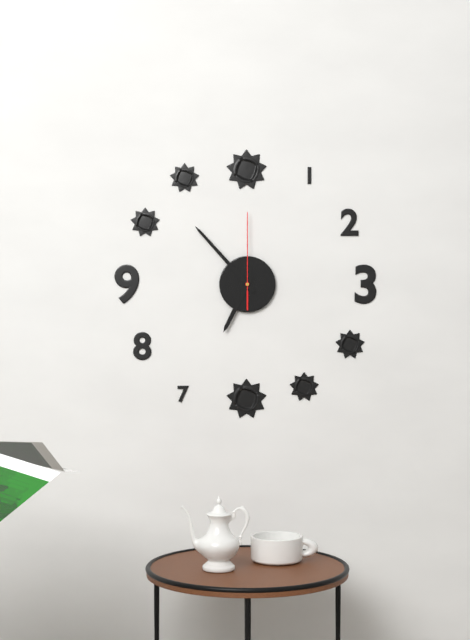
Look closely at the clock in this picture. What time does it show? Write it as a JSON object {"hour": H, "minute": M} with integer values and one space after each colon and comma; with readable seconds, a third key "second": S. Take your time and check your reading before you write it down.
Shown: {"hour": 6, "minute": 53, "second": 0}
